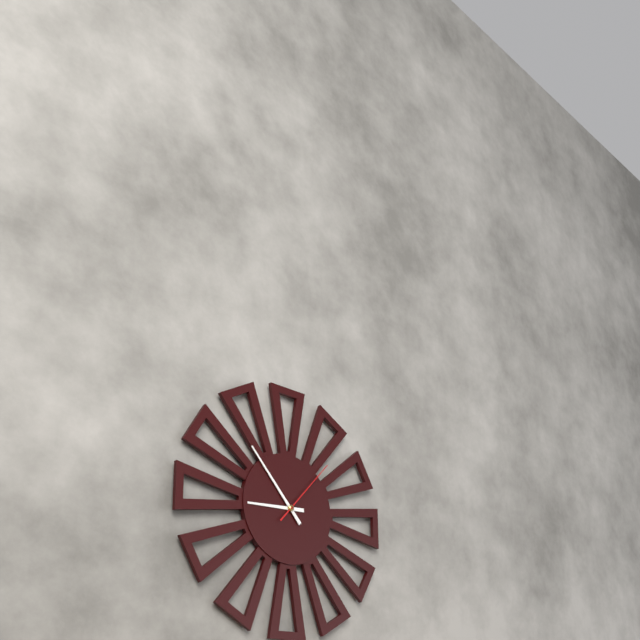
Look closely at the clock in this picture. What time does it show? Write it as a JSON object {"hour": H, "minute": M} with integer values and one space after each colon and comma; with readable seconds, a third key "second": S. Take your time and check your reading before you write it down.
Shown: {"hour": 8, "minute": 53, "second": 7}
